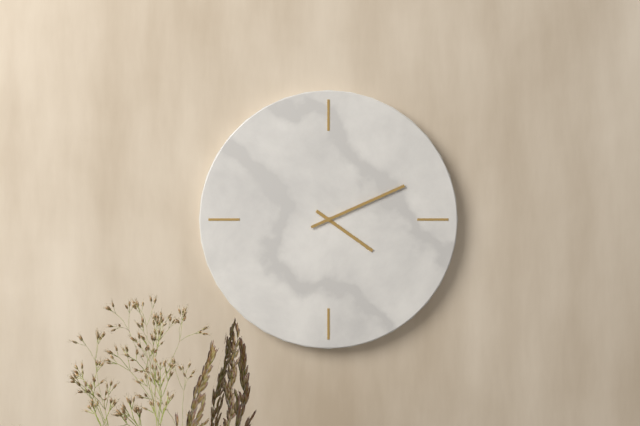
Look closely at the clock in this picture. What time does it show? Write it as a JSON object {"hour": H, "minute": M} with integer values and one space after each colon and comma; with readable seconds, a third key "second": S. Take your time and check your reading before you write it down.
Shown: {"hour": 4, "minute": 11}
